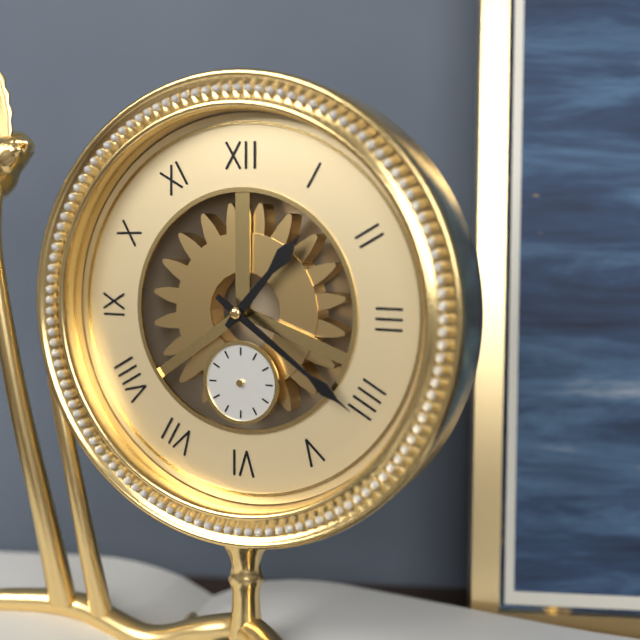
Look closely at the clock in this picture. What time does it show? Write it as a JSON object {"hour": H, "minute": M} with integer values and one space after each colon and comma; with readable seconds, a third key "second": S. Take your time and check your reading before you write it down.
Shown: {"hour": 1, "minute": 21}
